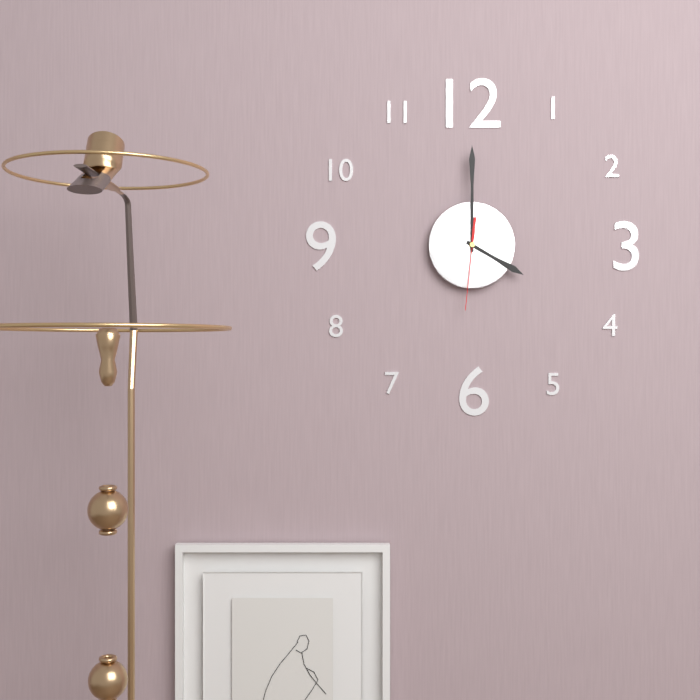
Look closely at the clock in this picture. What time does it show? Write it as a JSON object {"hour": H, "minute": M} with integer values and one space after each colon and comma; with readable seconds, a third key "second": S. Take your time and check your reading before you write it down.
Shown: {"hour": 4, "minute": 0, "second": 31}
